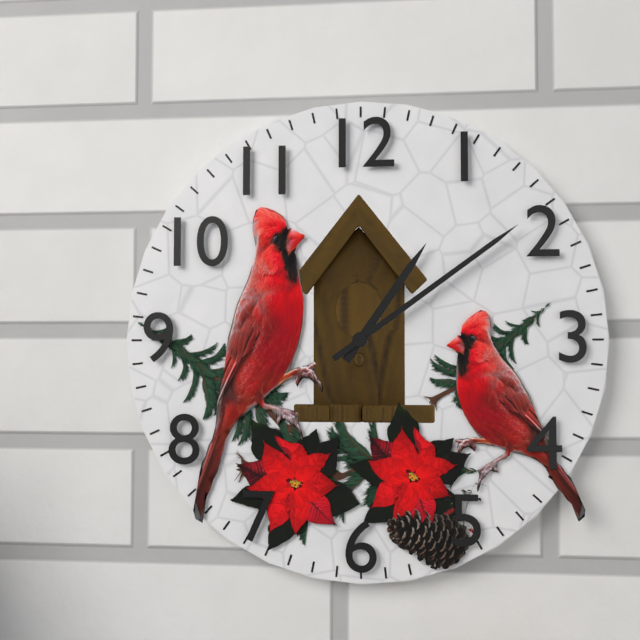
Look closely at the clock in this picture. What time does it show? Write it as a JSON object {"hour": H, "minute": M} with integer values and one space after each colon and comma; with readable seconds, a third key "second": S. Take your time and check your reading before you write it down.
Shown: {"hour": 1, "minute": 9}
